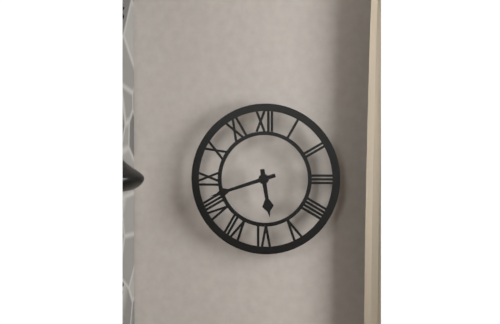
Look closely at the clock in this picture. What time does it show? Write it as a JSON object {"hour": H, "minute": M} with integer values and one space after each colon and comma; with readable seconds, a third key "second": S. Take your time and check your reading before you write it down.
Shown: {"hour": 5, "minute": 42}
